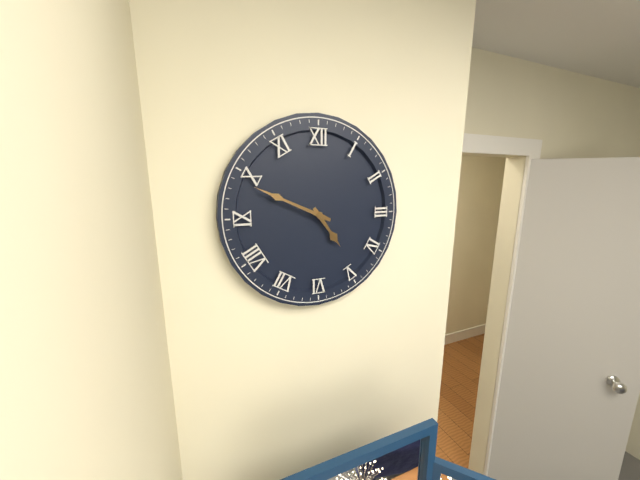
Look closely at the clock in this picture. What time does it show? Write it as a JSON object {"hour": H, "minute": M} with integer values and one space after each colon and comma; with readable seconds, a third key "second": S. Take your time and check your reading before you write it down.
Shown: {"hour": 4, "minute": 49}
